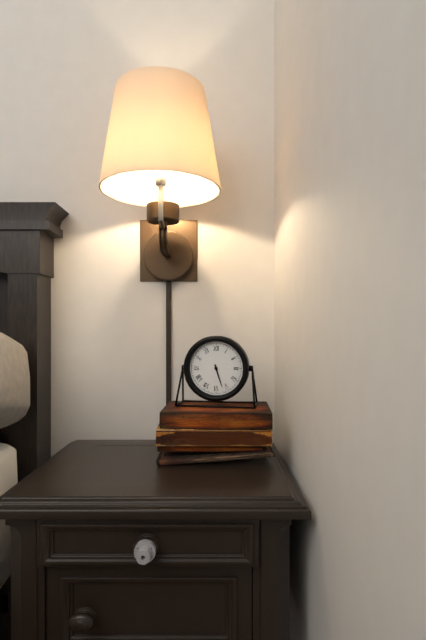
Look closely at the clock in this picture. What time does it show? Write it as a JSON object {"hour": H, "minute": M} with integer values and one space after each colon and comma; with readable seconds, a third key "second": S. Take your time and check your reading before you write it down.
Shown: {"hour": 5, "minute": 27}
